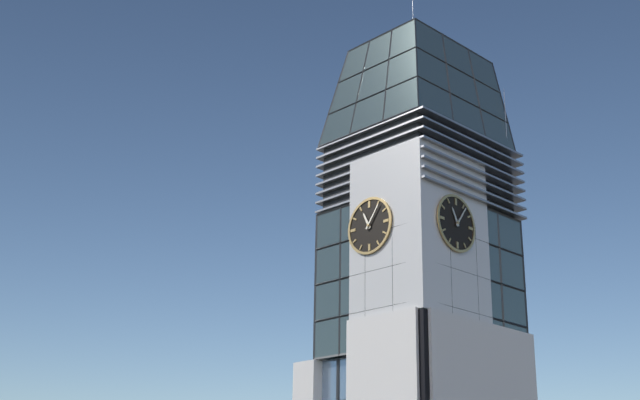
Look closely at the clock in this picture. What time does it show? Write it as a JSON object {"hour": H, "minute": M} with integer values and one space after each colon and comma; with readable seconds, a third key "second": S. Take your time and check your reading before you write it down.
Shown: {"hour": 11, "minute": 6}
